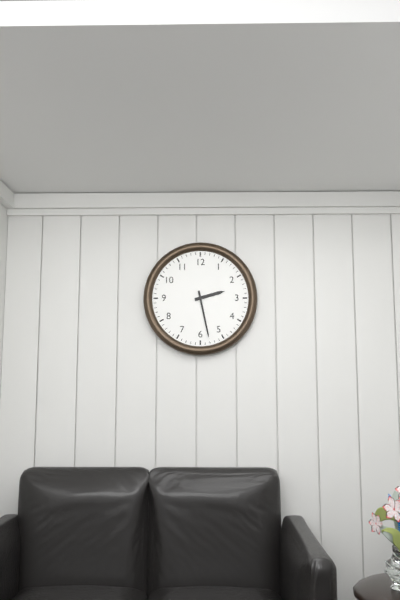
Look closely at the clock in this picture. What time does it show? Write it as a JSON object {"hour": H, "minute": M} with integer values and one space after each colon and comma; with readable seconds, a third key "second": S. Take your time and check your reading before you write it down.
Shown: {"hour": 2, "minute": 28}
